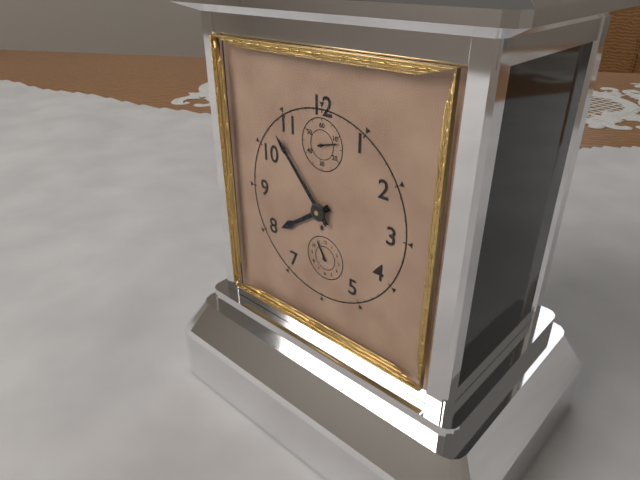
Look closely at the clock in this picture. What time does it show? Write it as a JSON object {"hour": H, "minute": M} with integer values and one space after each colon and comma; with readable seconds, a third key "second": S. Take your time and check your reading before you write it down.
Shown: {"hour": 7, "minute": 53}
